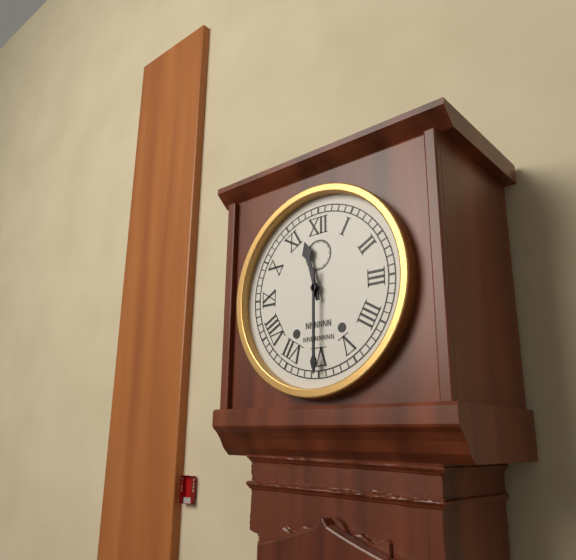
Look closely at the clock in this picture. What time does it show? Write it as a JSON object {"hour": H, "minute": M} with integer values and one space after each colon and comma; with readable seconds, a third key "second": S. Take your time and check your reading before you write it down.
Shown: {"hour": 11, "minute": 30}
